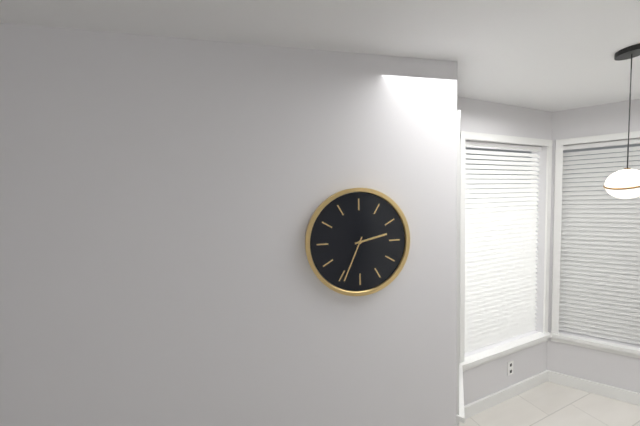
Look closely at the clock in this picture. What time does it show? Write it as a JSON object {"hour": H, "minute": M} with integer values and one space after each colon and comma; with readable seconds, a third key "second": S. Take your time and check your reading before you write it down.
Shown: {"hour": 2, "minute": 34}
